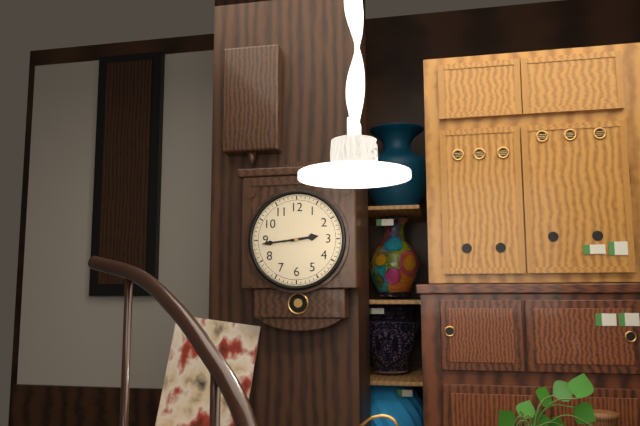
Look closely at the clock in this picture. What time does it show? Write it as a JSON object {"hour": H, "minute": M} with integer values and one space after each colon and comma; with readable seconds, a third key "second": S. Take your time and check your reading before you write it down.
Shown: {"hour": 2, "minute": 44}
